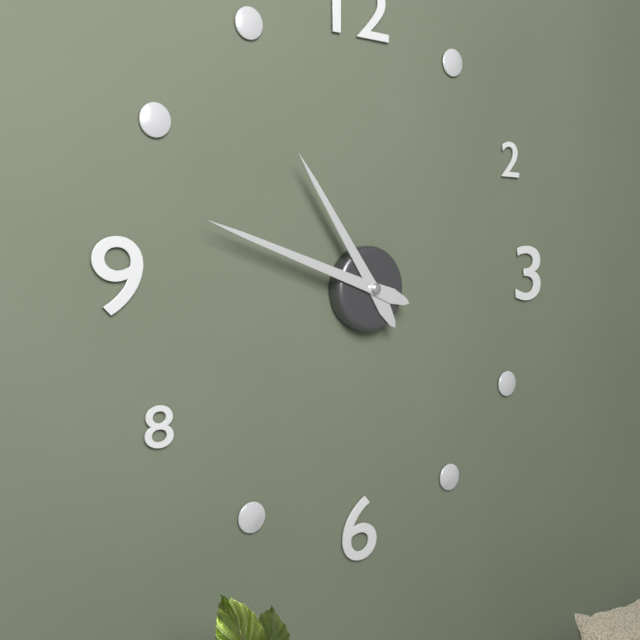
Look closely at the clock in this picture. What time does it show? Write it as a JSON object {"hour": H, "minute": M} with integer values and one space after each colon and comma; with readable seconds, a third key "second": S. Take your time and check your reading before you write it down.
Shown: {"hour": 10, "minute": 48}
